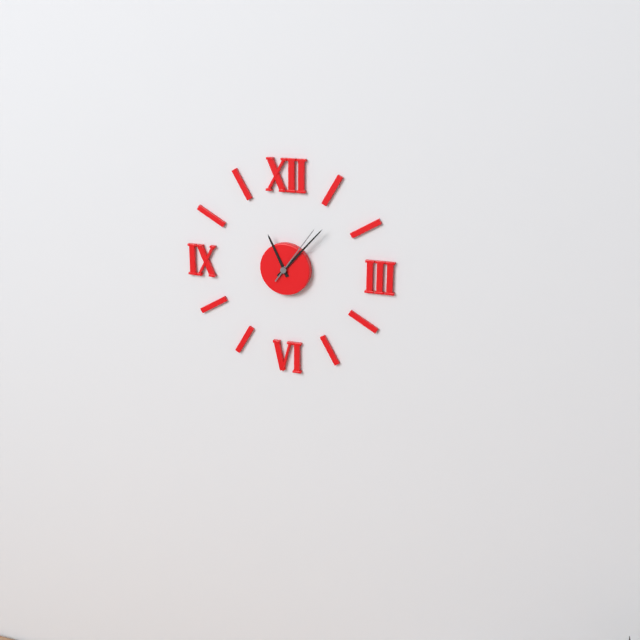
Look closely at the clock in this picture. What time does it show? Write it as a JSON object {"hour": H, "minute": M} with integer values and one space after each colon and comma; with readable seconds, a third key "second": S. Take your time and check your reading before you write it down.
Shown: {"hour": 11, "minute": 7, "second": 6}
